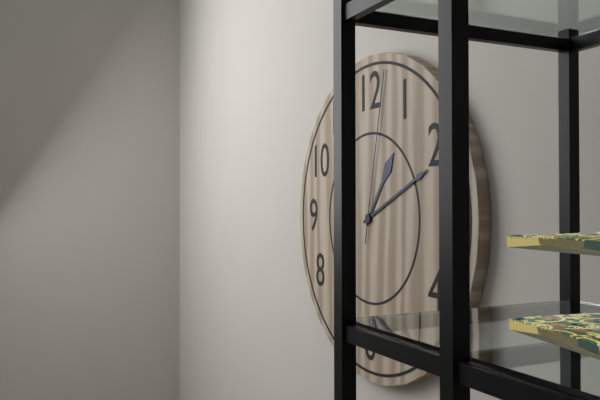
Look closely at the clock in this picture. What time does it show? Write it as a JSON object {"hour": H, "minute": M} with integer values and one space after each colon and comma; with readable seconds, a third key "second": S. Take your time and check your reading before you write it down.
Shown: {"hour": 1, "minute": 11, "second": 2}
